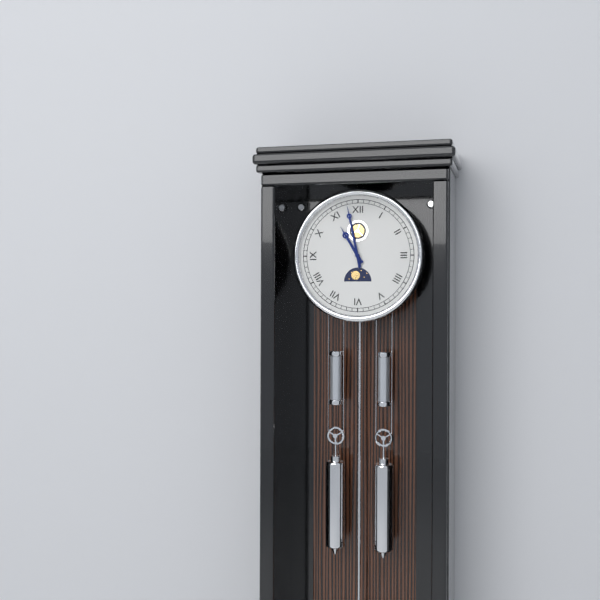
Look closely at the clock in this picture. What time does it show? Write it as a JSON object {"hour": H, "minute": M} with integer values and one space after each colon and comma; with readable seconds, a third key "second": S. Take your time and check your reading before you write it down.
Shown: {"hour": 10, "minute": 58}
